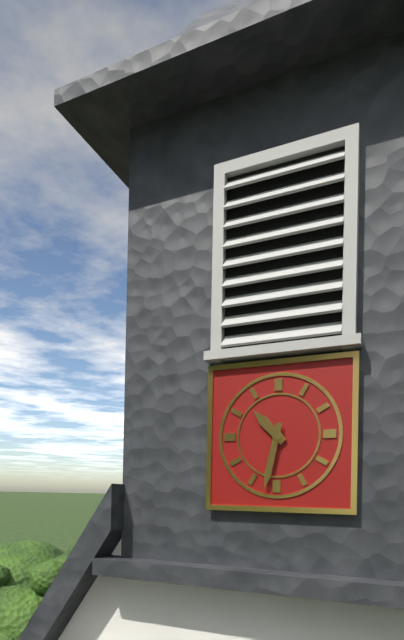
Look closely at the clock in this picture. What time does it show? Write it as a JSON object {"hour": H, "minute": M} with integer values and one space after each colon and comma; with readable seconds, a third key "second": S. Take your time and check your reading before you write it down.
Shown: {"hour": 10, "minute": 32}
